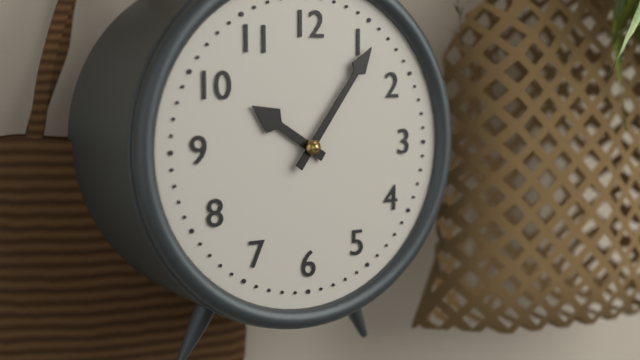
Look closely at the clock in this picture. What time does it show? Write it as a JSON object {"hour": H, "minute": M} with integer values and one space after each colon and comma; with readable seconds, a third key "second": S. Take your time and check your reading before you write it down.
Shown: {"hour": 10, "minute": 6}
